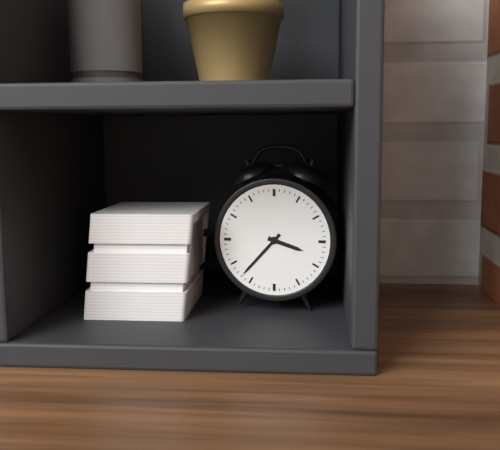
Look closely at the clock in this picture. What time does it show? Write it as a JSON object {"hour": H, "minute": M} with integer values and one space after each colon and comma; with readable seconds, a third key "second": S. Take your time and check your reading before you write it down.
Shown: {"hour": 3, "minute": 37}
